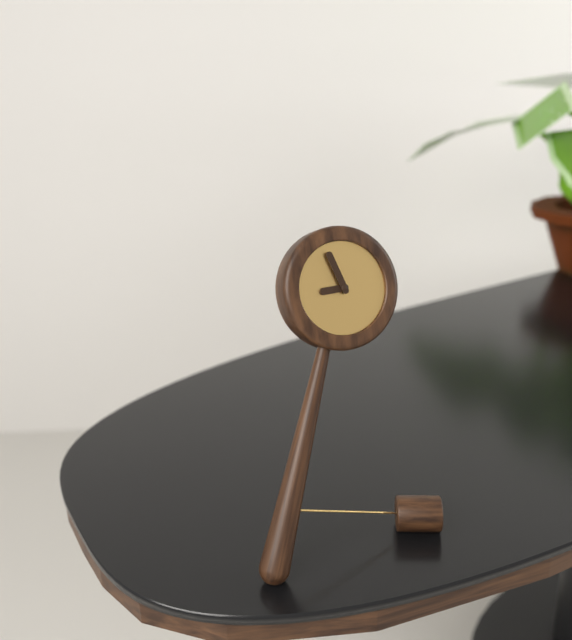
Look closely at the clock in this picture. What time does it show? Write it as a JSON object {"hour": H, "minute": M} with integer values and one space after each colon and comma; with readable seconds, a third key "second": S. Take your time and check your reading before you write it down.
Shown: {"hour": 8, "minute": 57}
